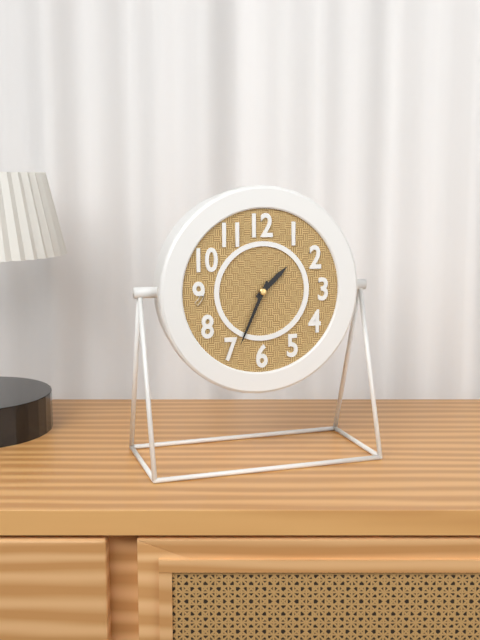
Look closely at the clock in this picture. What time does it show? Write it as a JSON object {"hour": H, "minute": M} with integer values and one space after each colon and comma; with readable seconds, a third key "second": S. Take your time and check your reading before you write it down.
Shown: {"hour": 1, "minute": 34}
